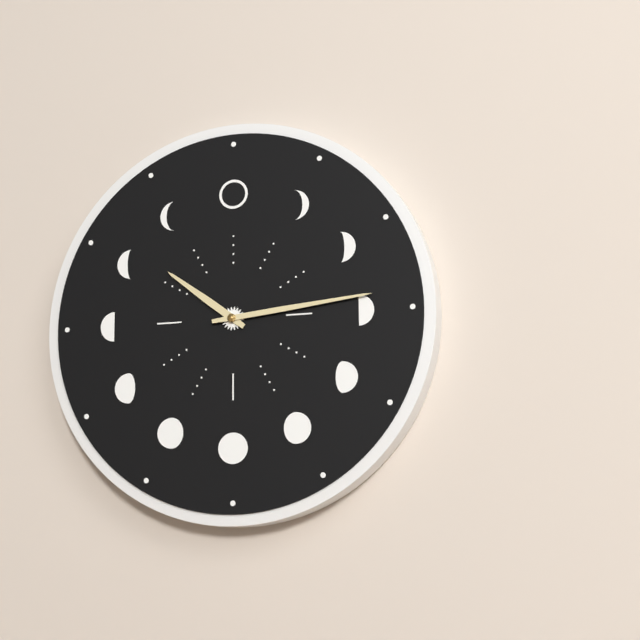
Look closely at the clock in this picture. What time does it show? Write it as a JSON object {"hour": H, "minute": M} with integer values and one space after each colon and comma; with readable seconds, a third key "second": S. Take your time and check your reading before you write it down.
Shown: {"hour": 10, "minute": 14}
